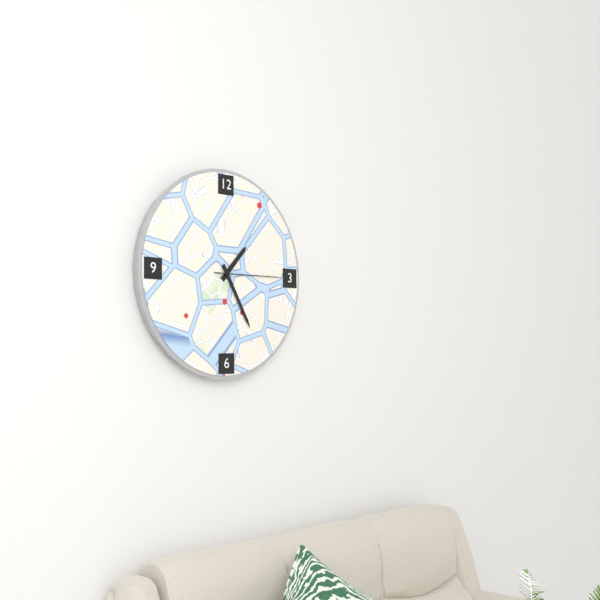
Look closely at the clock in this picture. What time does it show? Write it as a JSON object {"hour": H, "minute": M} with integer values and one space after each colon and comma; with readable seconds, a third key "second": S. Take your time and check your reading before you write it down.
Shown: {"hour": 1, "minute": 25, "second": 15}
